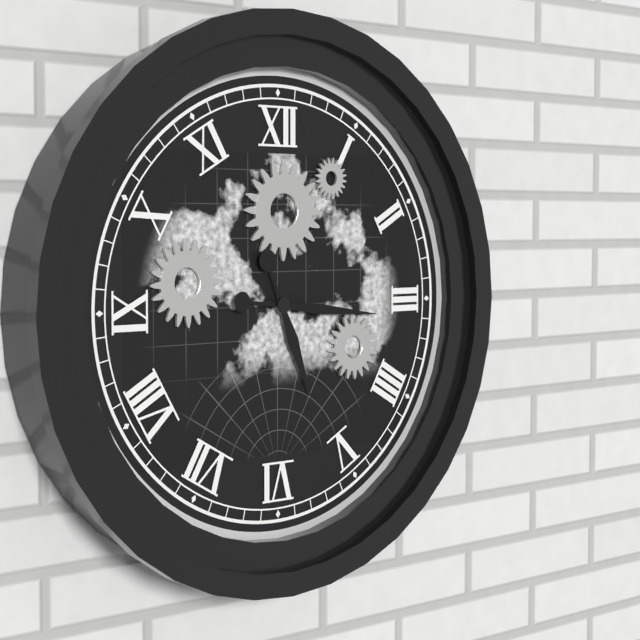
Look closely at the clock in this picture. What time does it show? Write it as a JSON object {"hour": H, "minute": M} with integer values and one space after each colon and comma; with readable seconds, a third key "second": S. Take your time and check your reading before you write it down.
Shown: {"hour": 5, "minute": 16}
